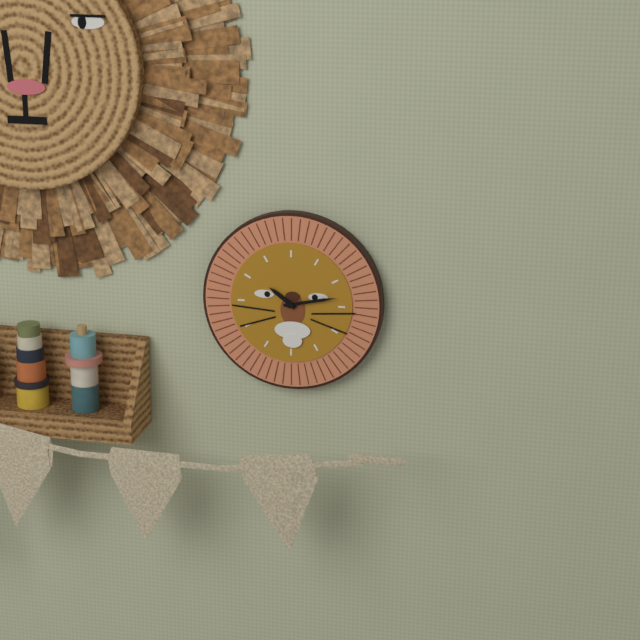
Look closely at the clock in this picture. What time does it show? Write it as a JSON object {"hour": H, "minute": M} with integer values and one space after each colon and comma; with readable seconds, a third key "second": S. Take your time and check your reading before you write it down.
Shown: {"hour": 10, "minute": 13}
